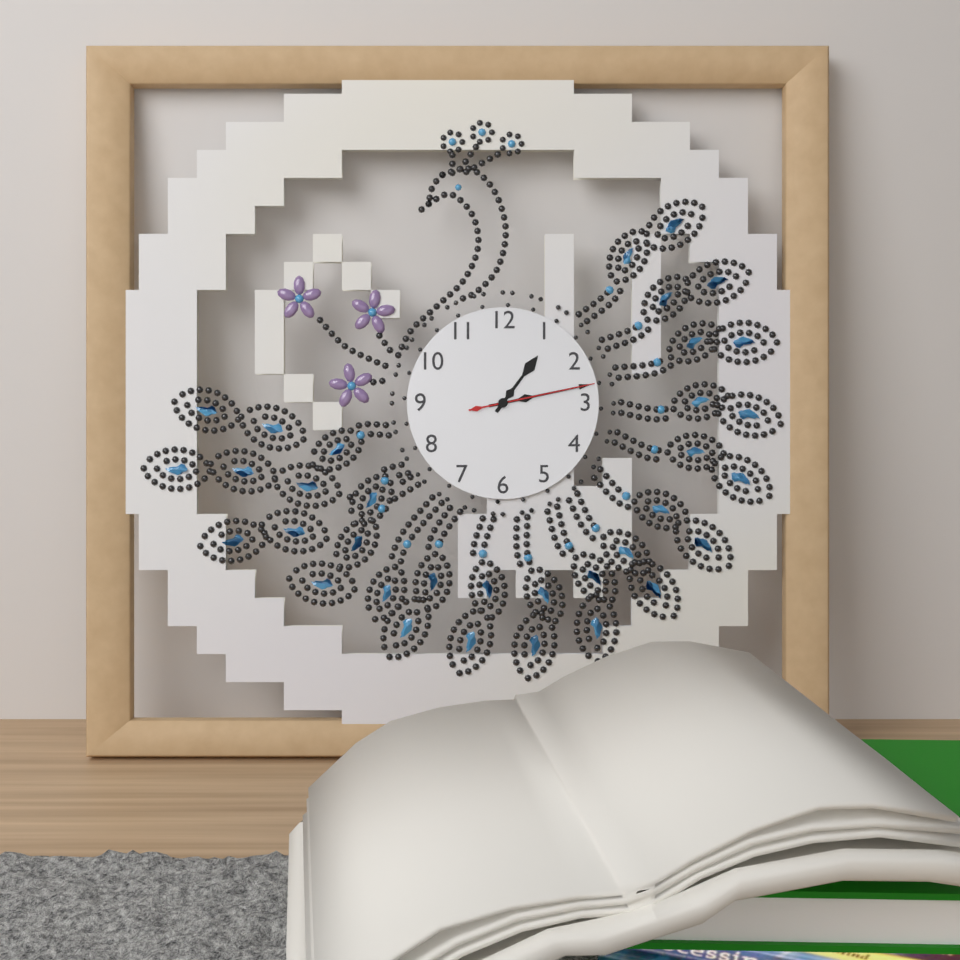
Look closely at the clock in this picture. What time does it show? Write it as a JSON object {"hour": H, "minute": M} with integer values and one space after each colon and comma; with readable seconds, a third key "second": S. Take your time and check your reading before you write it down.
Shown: {"hour": 1, "minute": 13, "second": 13}
